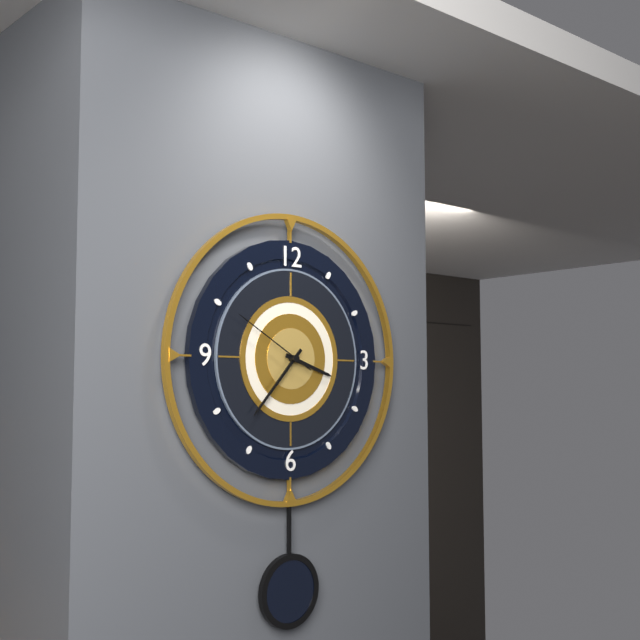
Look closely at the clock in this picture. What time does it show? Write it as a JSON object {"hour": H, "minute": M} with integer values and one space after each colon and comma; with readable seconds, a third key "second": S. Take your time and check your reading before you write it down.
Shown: {"hour": 3, "minute": 37, "second": 50}
